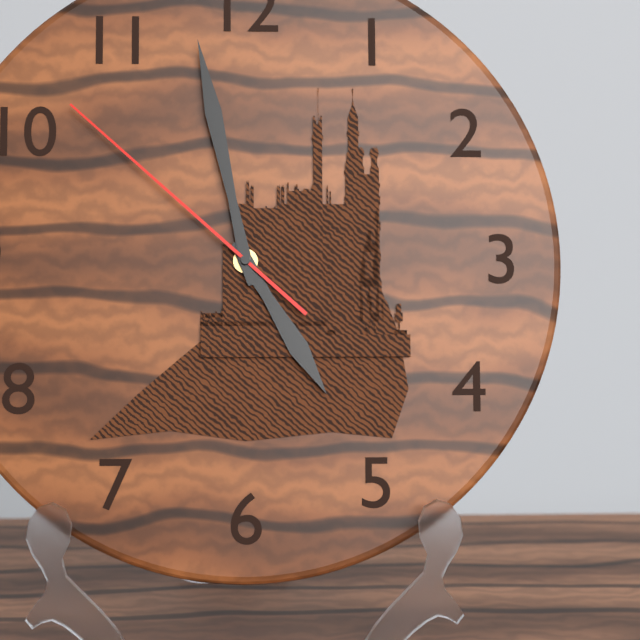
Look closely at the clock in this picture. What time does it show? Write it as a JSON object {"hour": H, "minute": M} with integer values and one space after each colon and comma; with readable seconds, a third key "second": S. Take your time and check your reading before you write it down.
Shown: {"hour": 4, "minute": 58, "second": 52}
